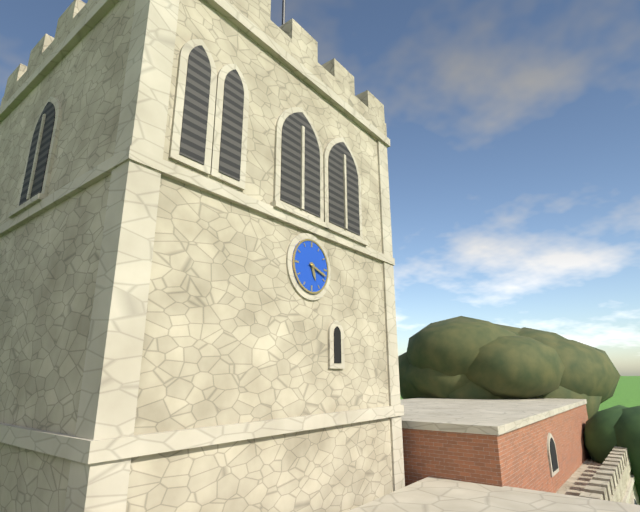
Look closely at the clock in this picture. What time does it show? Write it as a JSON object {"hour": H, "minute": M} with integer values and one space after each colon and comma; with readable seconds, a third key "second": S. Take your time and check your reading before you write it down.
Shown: {"hour": 5, "minute": 18}
